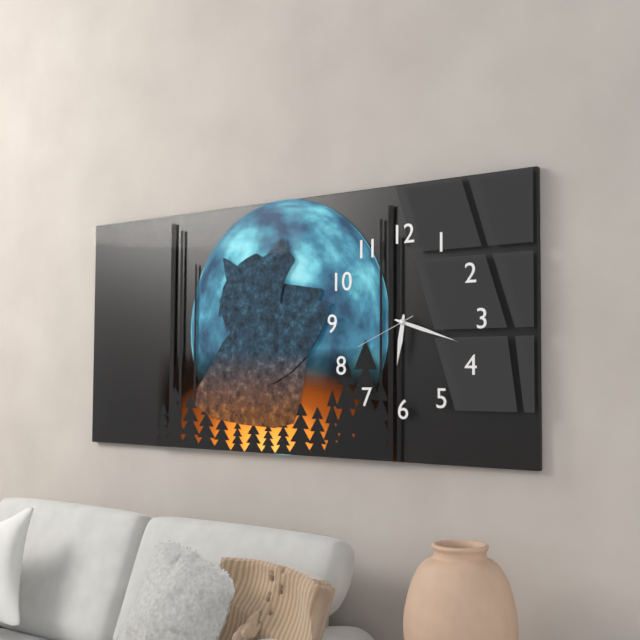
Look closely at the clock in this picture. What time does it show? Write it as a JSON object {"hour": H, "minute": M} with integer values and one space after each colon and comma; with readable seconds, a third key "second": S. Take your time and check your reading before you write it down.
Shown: {"hour": 6, "minute": 18, "second": 41}
